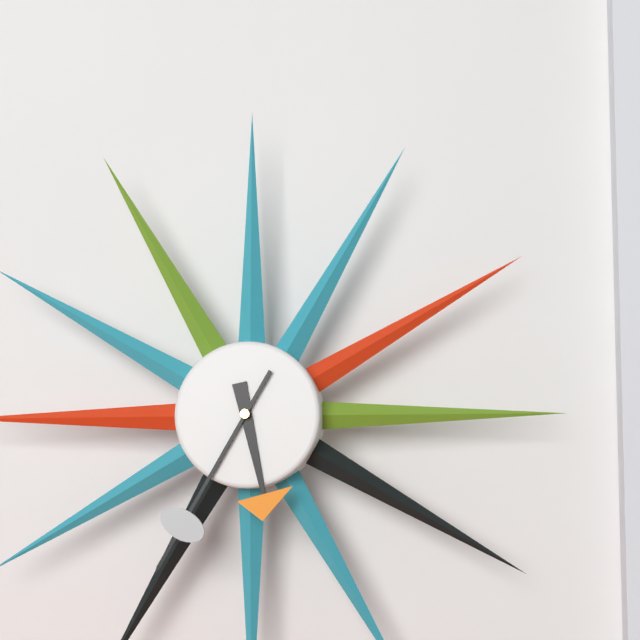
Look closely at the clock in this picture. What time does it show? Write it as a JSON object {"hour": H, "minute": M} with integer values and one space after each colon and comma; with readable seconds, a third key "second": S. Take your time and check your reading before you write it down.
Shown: {"hour": 5, "minute": 35}
